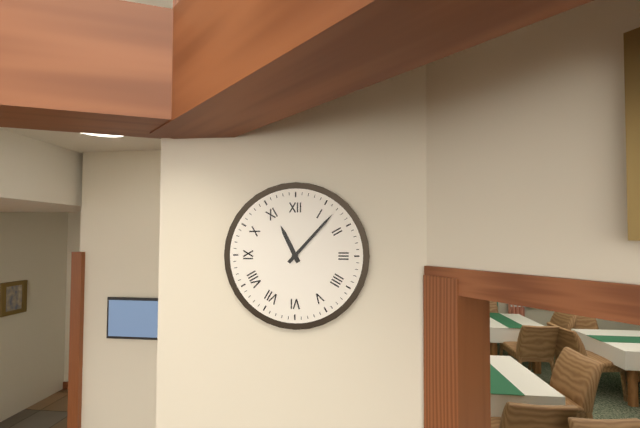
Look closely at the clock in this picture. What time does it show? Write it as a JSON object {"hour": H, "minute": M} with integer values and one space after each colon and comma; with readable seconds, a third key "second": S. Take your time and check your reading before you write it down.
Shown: {"hour": 11, "minute": 7}
